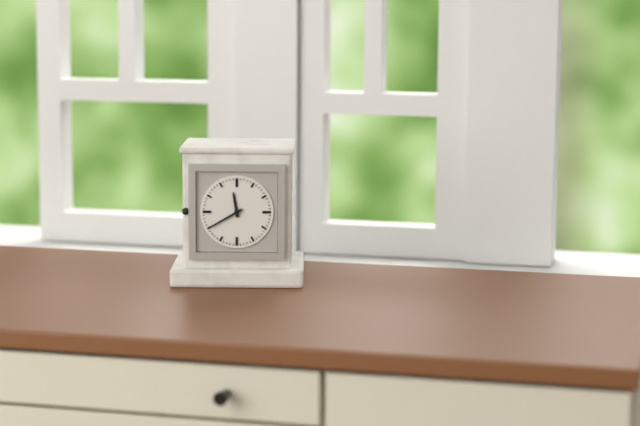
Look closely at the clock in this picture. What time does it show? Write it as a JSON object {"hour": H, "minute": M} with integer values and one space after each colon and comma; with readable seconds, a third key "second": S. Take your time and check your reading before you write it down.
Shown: {"hour": 11, "minute": 40}
